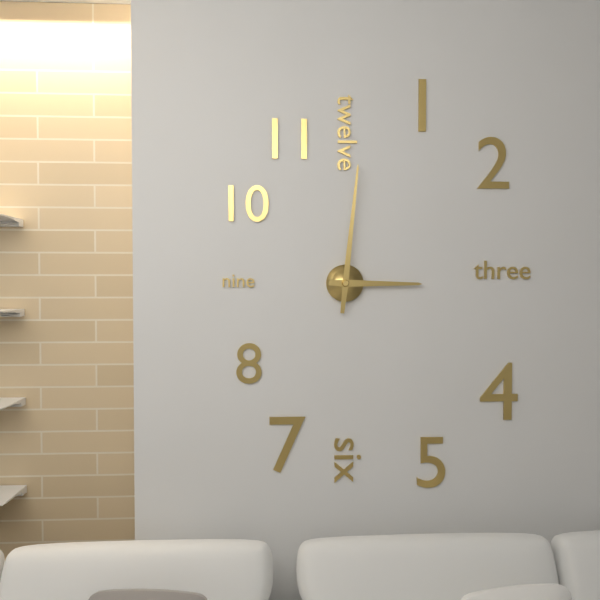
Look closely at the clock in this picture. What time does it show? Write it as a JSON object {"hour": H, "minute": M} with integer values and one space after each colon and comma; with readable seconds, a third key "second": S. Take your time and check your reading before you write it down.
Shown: {"hour": 3, "minute": 1}
